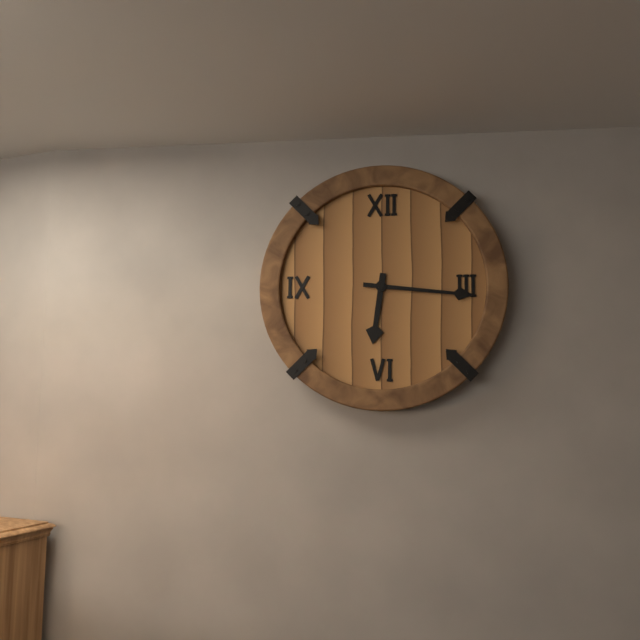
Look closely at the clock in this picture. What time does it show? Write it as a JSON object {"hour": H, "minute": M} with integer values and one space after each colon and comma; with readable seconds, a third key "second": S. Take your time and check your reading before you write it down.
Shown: {"hour": 6, "minute": 16}
